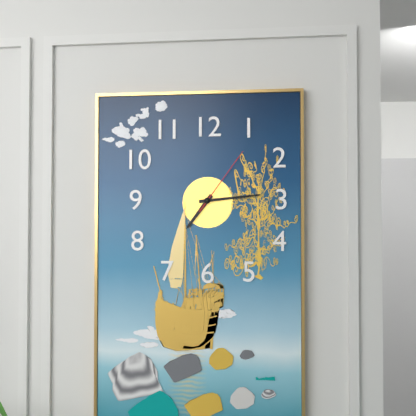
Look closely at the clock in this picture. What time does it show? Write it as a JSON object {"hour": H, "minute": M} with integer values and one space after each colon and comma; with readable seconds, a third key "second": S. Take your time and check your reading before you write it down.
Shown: {"hour": 7, "minute": 14, "second": 6}
